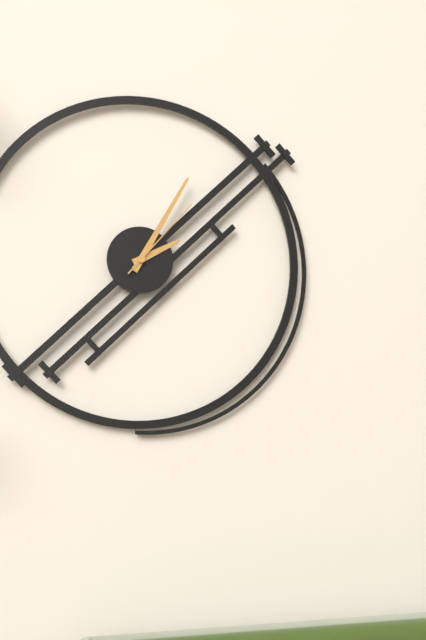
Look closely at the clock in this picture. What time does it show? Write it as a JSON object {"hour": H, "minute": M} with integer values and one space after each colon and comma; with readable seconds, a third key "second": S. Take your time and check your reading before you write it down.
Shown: {"hour": 2, "minute": 5, "second": 7}
